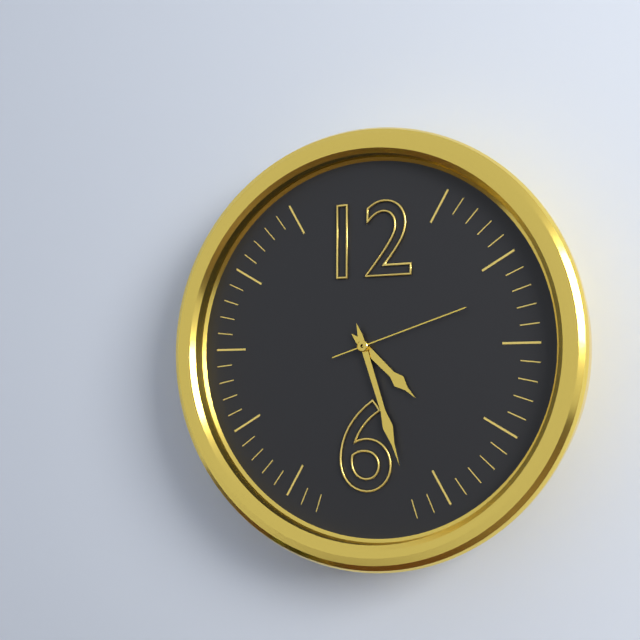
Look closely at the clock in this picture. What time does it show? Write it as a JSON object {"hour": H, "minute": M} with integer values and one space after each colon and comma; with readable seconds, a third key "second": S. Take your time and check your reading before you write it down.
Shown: {"hour": 4, "minute": 27, "second": 12}
